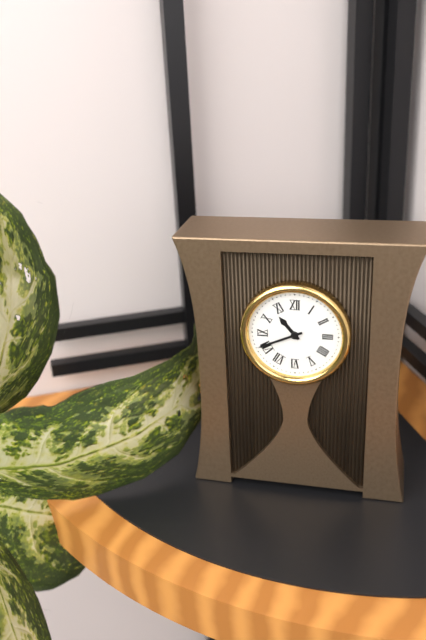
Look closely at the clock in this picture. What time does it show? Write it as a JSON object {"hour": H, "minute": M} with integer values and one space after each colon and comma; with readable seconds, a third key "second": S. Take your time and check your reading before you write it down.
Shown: {"hour": 10, "minute": 41}
